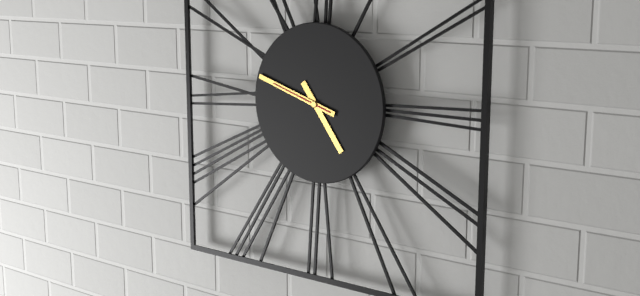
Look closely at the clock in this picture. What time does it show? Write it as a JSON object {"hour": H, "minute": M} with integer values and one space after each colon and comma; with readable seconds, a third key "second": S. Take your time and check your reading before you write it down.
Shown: {"hour": 4, "minute": 48, "second": 48}
